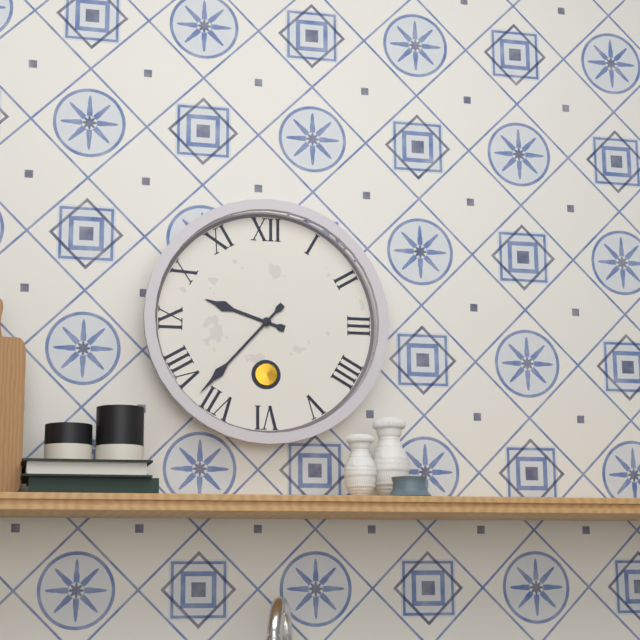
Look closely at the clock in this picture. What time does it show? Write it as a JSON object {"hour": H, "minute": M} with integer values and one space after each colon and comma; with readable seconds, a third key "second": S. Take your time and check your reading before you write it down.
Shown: {"hour": 9, "minute": 37}
